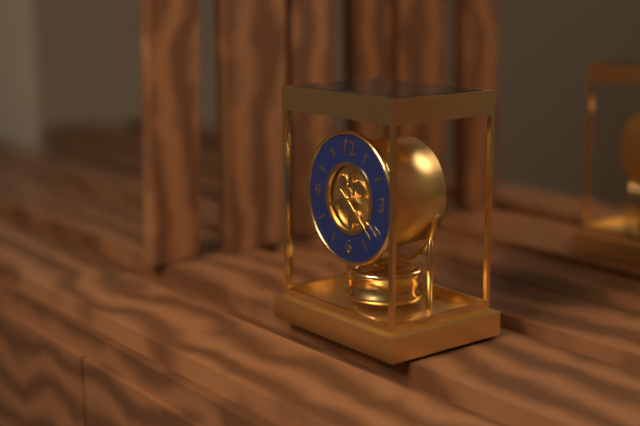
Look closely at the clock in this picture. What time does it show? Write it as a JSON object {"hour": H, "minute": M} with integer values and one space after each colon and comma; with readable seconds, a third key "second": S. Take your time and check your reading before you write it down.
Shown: {"hour": 8, "minute": 22}
